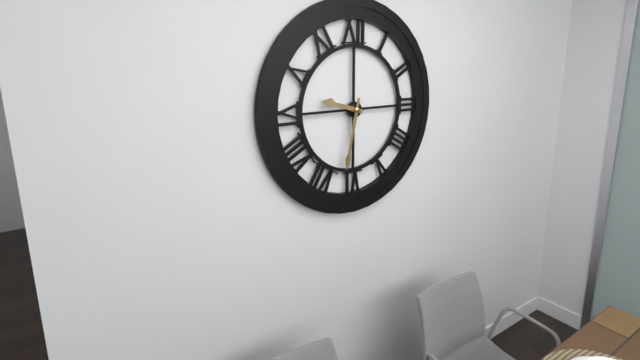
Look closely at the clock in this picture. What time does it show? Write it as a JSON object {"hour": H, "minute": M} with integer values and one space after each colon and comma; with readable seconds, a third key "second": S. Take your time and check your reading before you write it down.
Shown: {"hour": 9, "minute": 32}
